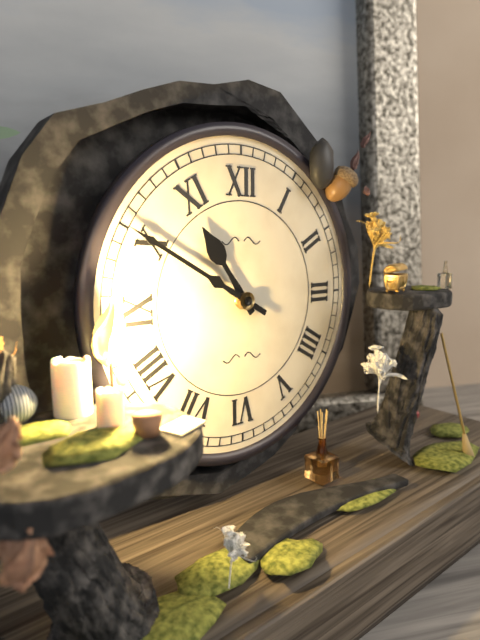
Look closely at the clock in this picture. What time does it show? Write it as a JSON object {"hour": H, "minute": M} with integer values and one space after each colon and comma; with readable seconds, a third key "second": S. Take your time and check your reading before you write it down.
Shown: {"hour": 10, "minute": 50}
